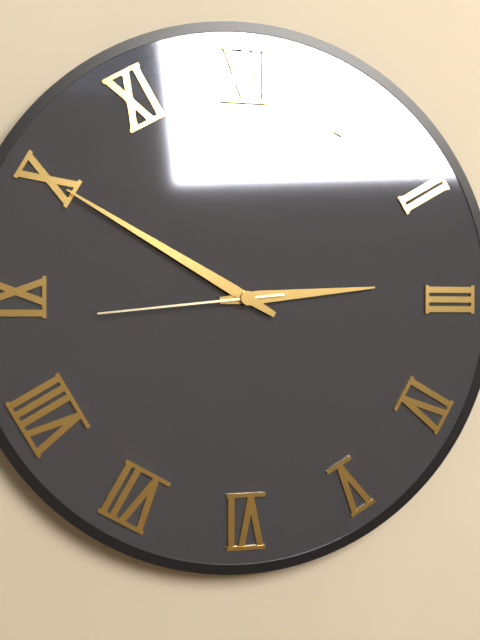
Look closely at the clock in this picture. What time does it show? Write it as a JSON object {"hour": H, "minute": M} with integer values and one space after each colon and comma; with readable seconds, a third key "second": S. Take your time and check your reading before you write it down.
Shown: {"hour": 2, "minute": 50, "second": 44}
